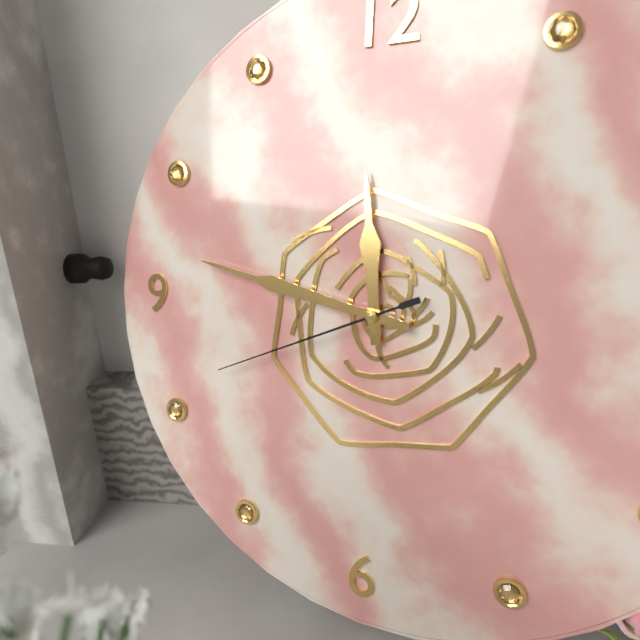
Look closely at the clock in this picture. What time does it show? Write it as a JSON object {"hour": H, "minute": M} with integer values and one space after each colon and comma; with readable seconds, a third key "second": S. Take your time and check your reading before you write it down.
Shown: {"hour": 11, "minute": 47, "second": 41}
